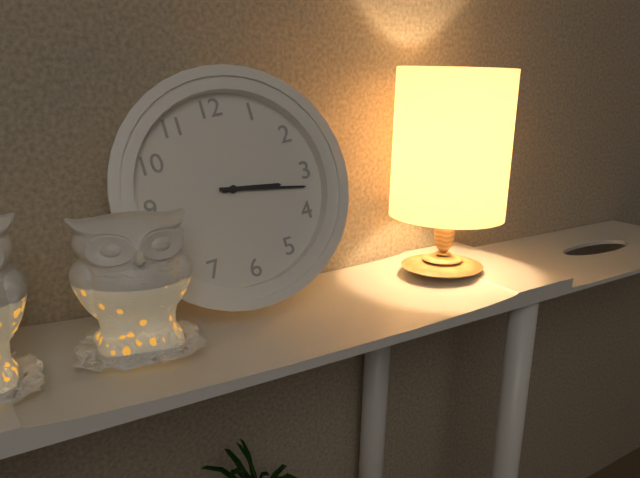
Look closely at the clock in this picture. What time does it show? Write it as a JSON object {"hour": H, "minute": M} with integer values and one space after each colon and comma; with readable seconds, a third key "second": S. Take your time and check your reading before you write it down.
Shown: {"hour": 3, "minute": 17}
